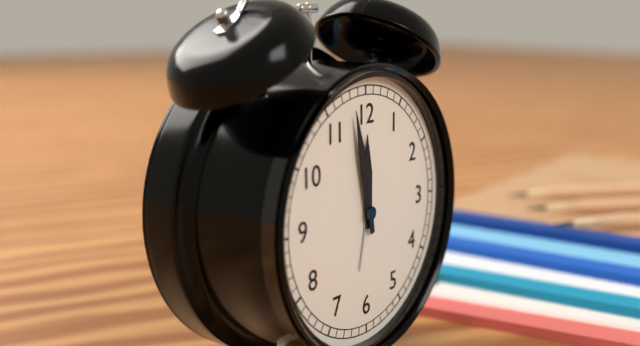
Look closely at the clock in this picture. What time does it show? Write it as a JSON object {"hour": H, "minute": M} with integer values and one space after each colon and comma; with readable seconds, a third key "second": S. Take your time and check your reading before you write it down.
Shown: {"hour": 11, "minute": 58}
